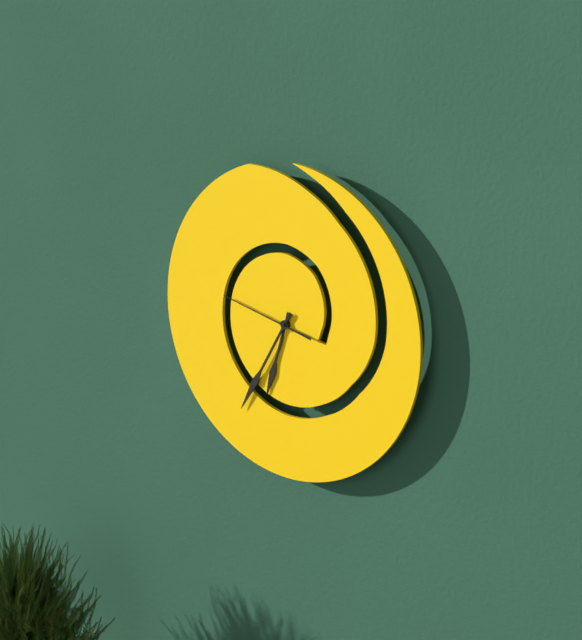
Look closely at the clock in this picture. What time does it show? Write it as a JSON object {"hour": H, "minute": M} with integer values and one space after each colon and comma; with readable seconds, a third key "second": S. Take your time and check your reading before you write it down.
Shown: {"hour": 6, "minute": 35, "second": 47}
